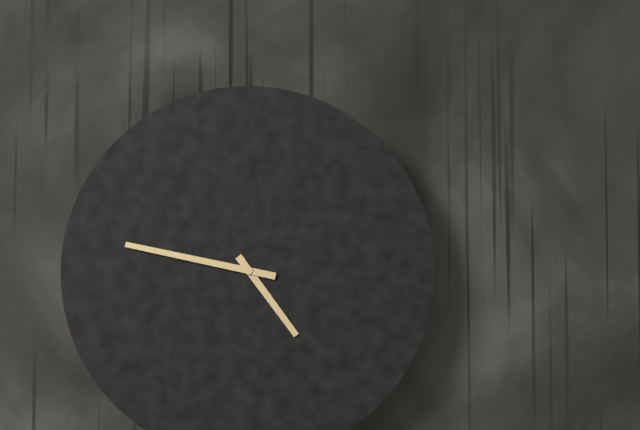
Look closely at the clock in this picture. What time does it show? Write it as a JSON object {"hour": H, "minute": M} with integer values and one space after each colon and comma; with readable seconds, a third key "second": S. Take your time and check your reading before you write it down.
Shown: {"hour": 4, "minute": 47}
